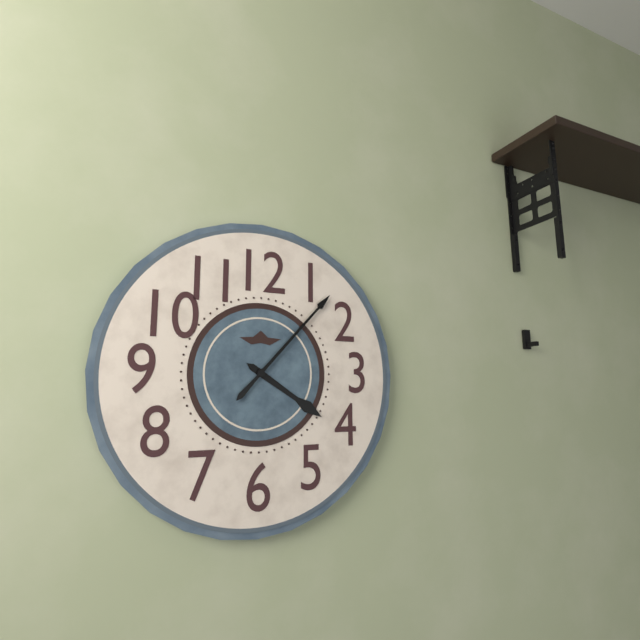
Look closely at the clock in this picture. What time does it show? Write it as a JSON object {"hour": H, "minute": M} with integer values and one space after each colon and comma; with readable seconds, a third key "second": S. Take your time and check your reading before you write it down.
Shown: {"hour": 4, "minute": 7}
